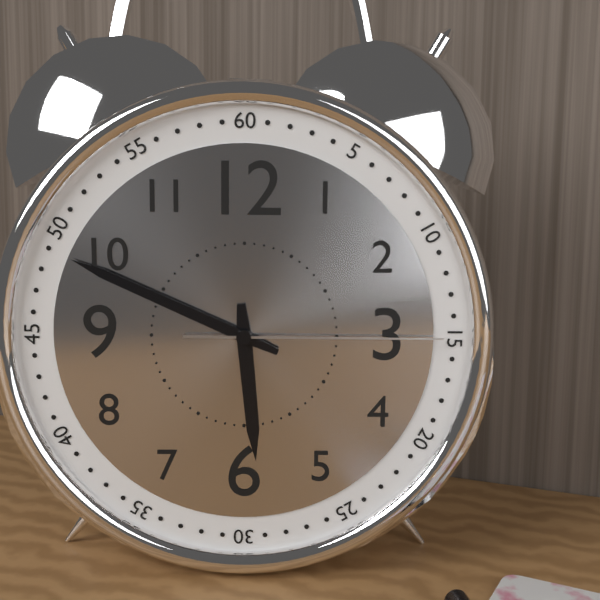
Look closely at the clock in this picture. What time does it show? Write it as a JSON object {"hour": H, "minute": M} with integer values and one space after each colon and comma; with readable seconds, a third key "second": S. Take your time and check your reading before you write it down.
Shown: {"hour": 5, "minute": 49, "second": 15}
